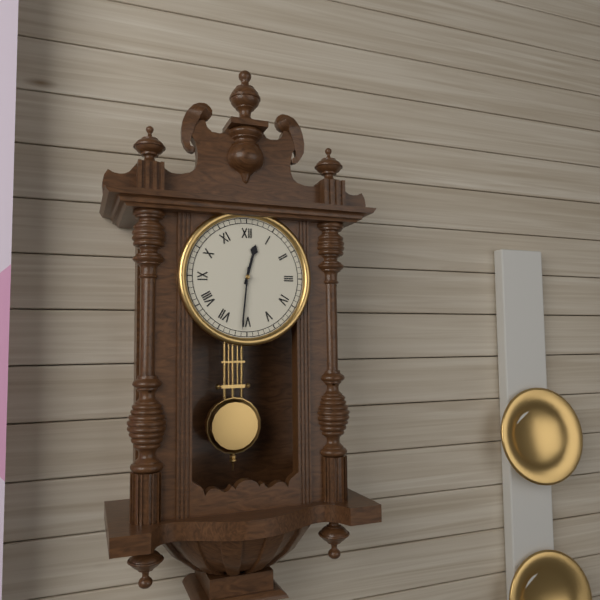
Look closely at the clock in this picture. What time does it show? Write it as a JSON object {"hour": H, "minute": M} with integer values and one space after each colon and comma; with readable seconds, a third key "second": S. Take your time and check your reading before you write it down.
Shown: {"hour": 12, "minute": 31}
